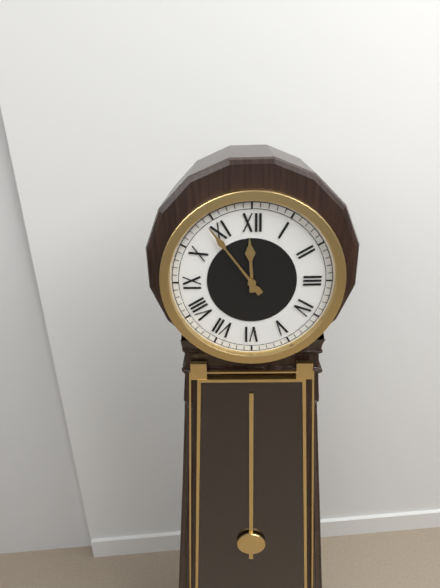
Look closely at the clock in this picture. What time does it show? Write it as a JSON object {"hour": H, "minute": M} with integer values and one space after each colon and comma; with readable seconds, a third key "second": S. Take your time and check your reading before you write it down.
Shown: {"hour": 11, "minute": 54}
